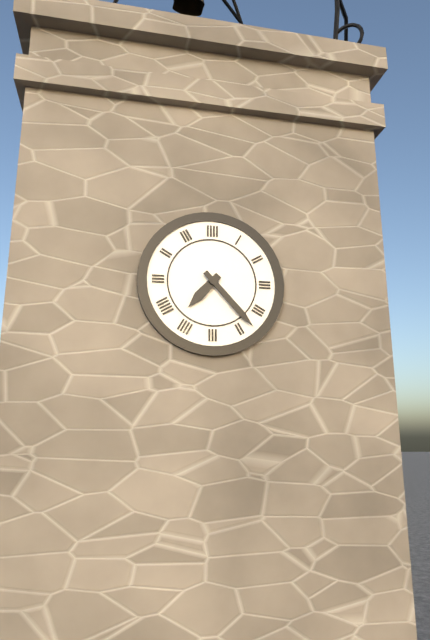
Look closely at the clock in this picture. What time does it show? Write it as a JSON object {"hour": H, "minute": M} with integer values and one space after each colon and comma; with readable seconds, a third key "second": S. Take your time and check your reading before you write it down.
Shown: {"hour": 7, "minute": 23}
